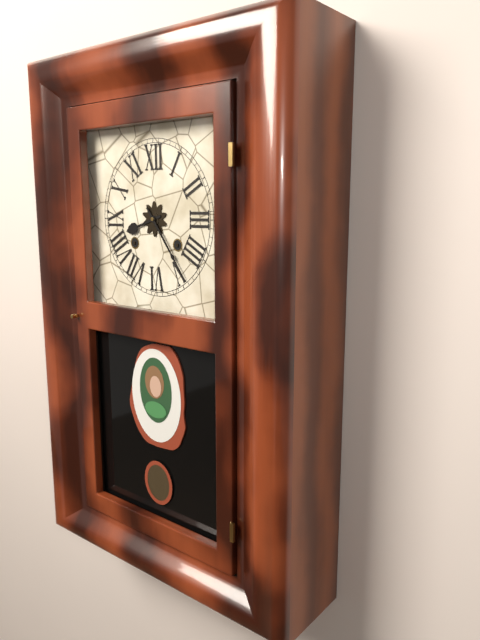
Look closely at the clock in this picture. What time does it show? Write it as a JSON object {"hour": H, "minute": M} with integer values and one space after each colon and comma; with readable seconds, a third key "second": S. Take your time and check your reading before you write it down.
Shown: {"hour": 8, "minute": 24}
